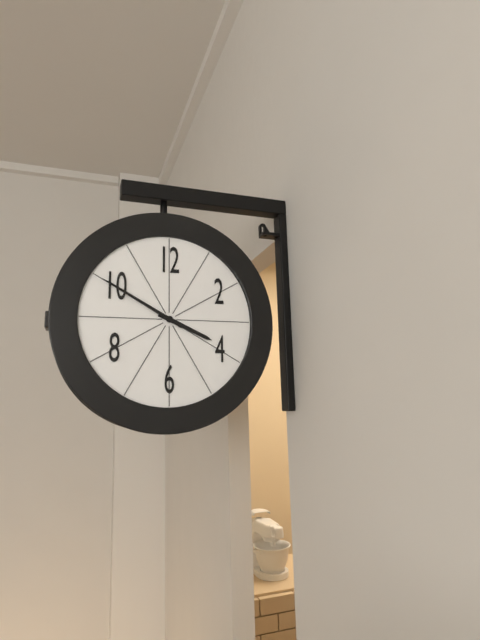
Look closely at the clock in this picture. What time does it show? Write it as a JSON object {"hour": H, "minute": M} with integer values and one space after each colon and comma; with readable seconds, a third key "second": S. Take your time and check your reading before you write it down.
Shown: {"hour": 3, "minute": 50}
